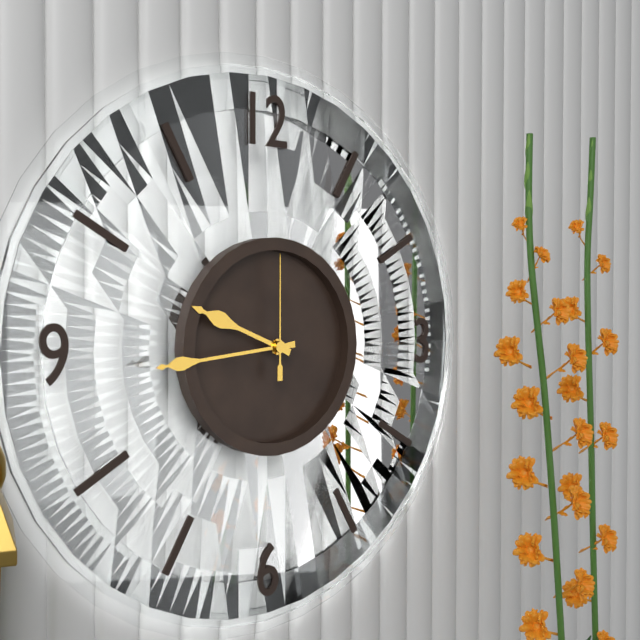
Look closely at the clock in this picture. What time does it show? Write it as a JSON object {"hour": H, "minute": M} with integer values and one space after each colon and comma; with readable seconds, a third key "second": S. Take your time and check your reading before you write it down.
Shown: {"hour": 9, "minute": 44, "second": 0}
